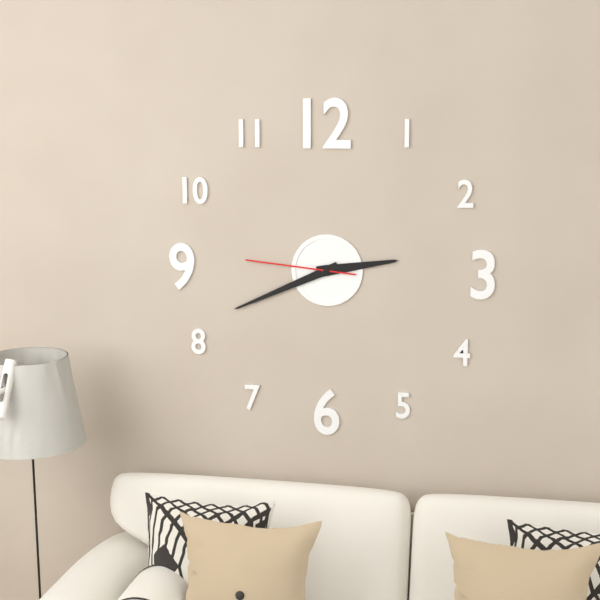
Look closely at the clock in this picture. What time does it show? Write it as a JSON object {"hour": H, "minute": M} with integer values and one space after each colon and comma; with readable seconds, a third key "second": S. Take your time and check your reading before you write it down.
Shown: {"hour": 2, "minute": 41, "second": 46}
